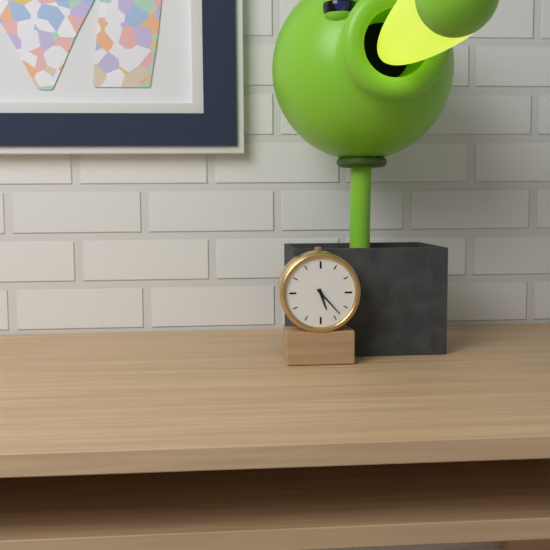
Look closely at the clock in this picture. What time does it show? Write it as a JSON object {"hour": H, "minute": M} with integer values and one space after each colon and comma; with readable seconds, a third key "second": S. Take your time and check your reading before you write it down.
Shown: {"hour": 5, "minute": 23}
